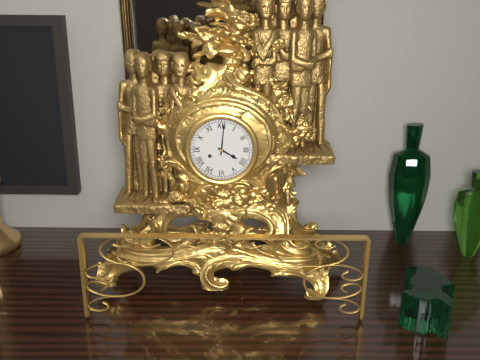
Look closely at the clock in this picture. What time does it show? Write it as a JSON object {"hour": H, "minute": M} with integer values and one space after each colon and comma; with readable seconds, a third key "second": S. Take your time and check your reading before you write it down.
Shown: {"hour": 4, "minute": 1}
